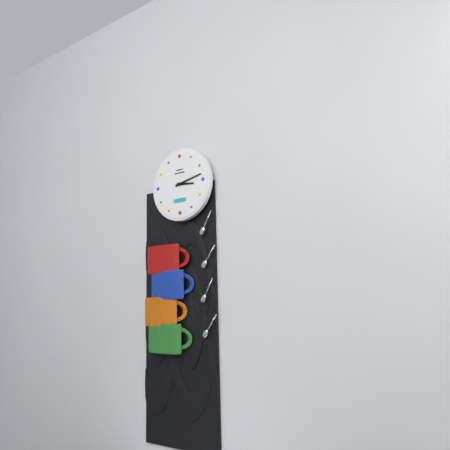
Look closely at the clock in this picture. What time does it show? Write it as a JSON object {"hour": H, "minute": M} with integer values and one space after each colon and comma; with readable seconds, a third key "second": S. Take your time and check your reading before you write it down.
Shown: {"hour": 3, "minute": 13}
